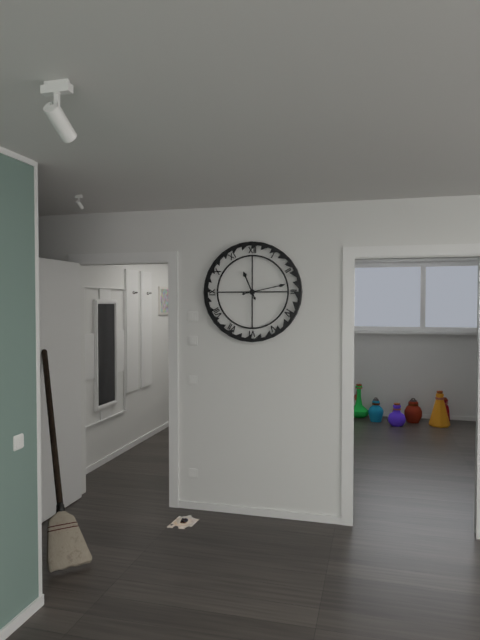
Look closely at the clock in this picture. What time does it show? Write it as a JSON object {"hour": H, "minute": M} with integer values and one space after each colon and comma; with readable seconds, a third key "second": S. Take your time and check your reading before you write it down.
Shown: {"hour": 11, "minute": 13}
